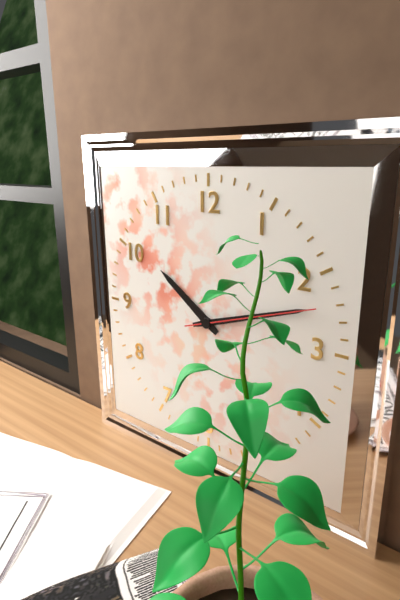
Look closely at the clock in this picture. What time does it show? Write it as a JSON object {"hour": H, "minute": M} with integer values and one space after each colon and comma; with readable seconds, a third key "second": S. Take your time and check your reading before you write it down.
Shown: {"hour": 10, "minute": 12, "second": 12}
